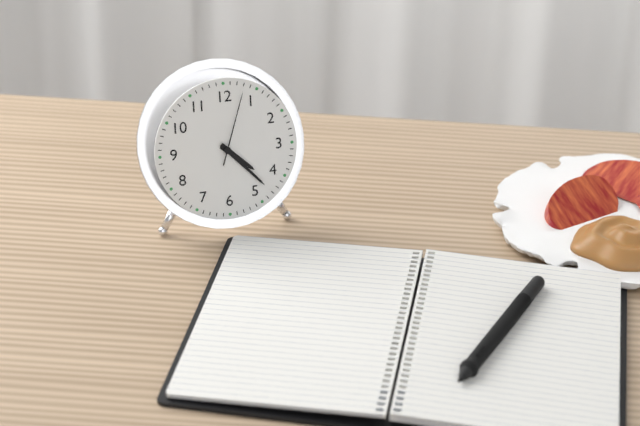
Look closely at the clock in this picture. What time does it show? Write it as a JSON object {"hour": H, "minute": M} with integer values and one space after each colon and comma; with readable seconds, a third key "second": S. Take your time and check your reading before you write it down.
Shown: {"hour": 4, "minute": 23, "second": 3}
